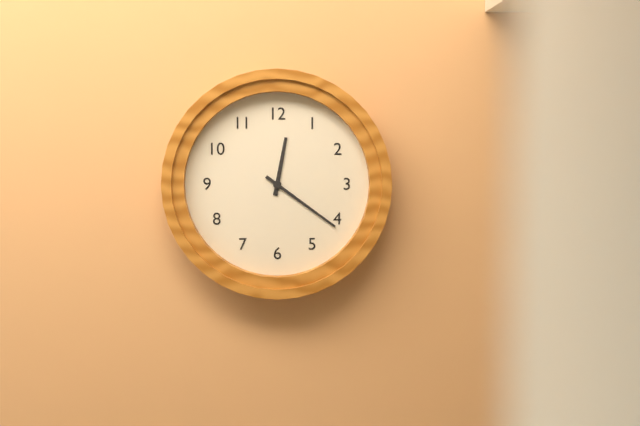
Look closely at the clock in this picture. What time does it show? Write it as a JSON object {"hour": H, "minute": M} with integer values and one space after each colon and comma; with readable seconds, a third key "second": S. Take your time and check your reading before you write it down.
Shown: {"hour": 12, "minute": 21}
